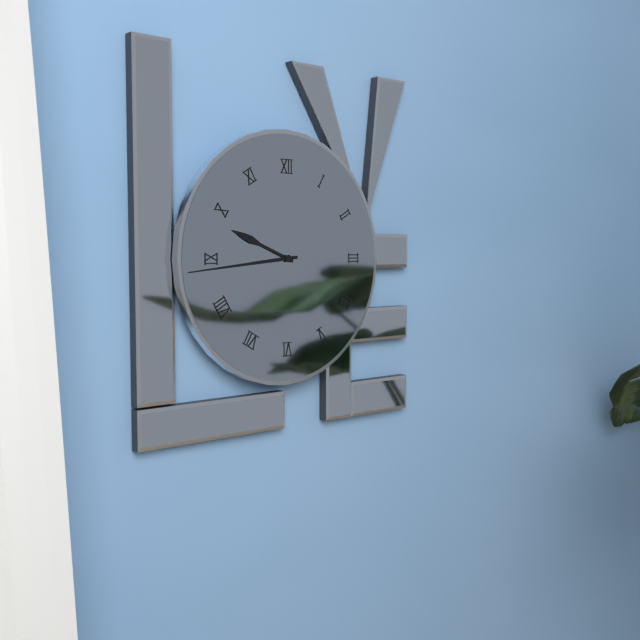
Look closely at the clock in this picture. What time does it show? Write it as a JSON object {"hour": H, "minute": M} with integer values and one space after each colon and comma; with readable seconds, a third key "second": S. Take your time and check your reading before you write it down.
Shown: {"hour": 9, "minute": 44}
